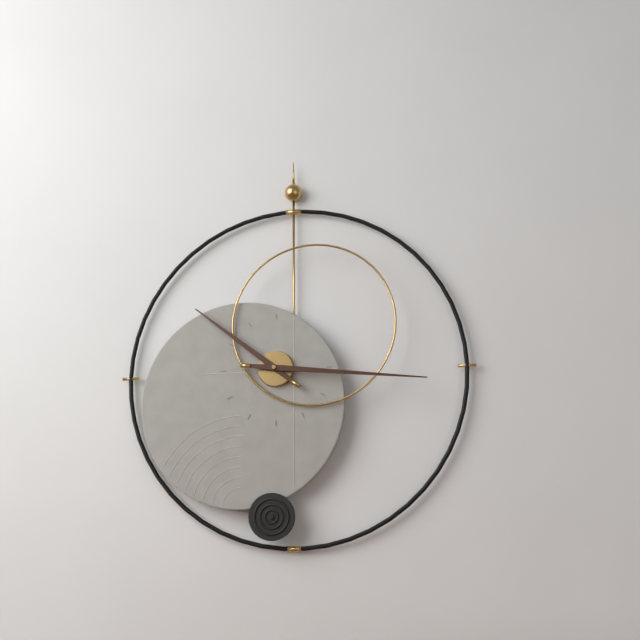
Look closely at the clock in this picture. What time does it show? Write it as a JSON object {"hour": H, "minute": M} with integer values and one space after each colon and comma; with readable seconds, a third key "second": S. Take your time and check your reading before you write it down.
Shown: {"hour": 10, "minute": 16}
